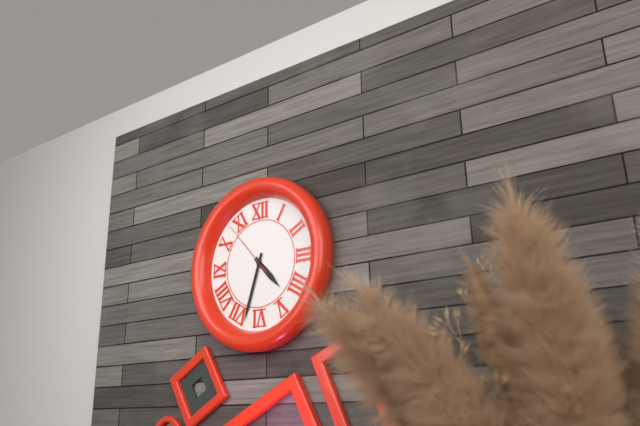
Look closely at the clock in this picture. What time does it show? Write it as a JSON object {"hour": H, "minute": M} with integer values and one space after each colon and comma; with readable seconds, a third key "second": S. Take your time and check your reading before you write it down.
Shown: {"hour": 4, "minute": 33, "second": 53}
